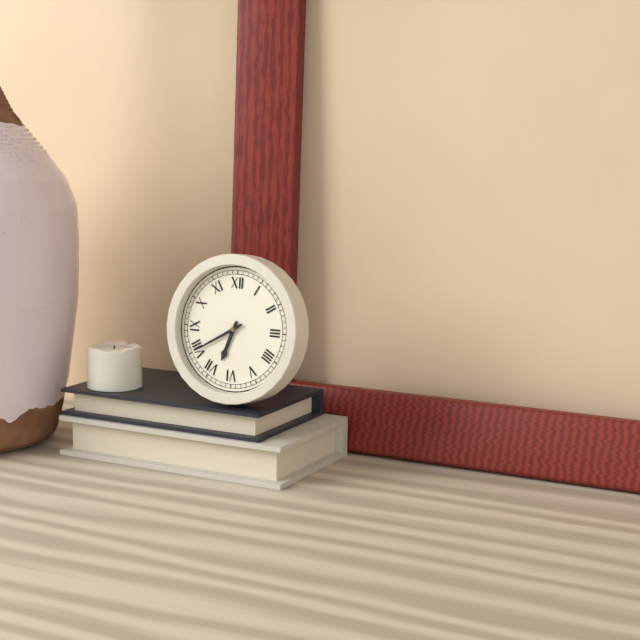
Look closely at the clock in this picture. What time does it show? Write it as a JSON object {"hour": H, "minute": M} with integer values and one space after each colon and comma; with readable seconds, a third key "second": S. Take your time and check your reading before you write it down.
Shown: {"hour": 6, "minute": 40}
